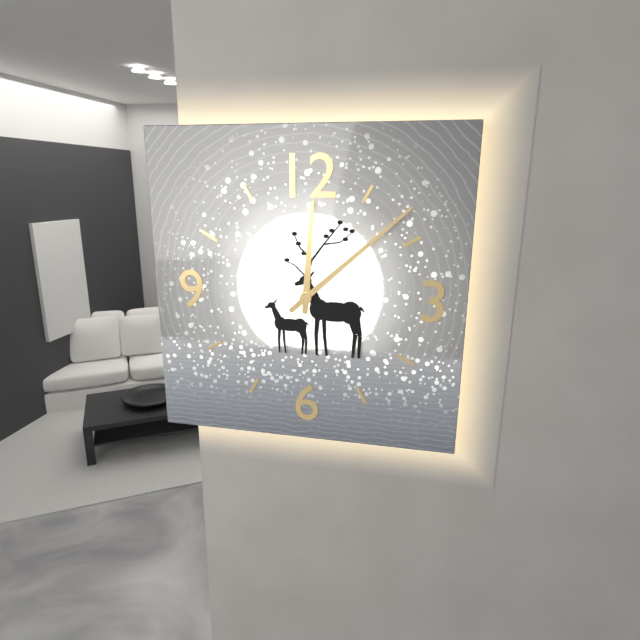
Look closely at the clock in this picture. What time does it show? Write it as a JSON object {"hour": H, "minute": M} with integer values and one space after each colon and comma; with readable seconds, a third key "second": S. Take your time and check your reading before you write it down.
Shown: {"hour": 12, "minute": 8}
